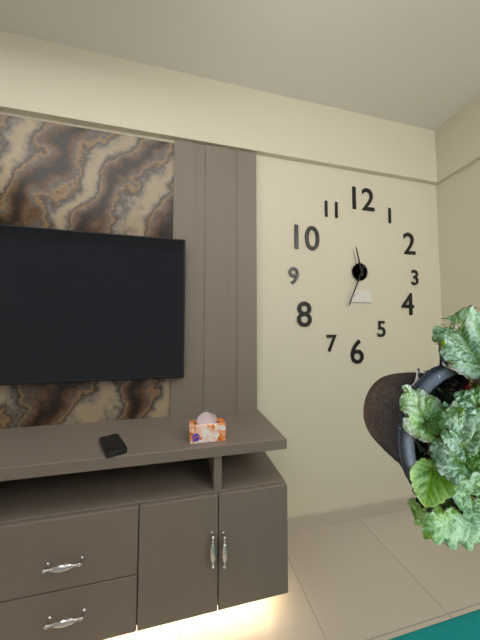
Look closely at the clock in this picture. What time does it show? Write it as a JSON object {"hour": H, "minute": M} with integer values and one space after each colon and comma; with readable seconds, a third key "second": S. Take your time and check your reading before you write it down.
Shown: {"hour": 11, "minute": 34}
